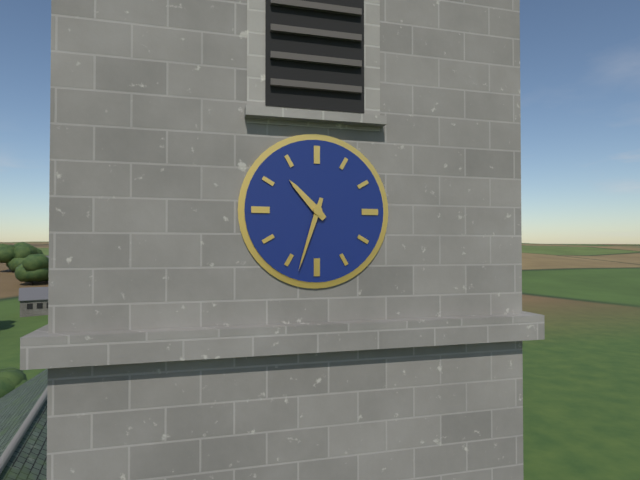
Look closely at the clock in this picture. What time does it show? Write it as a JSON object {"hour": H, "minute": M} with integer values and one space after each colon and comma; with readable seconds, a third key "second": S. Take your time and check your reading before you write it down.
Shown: {"hour": 10, "minute": 33}
